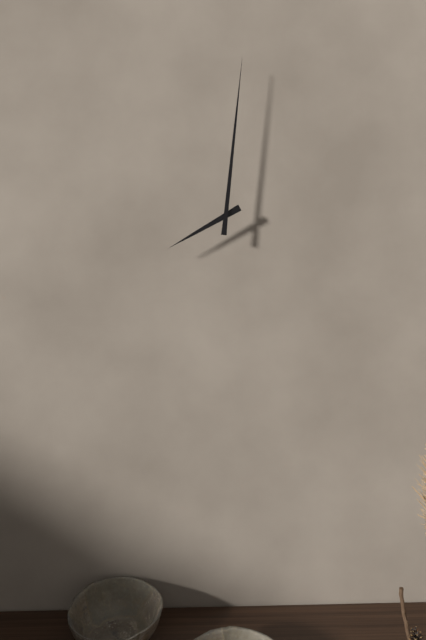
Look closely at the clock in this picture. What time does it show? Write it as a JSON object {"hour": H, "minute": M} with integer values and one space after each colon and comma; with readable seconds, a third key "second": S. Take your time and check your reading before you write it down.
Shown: {"hour": 8, "minute": 1}
